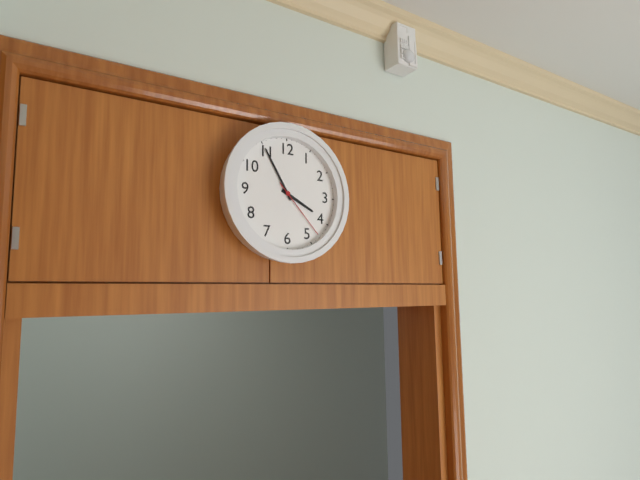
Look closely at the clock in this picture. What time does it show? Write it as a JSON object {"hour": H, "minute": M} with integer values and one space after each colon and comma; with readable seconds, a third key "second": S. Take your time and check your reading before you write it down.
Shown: {"hour": 3, "minute": 55, "second": 23}
